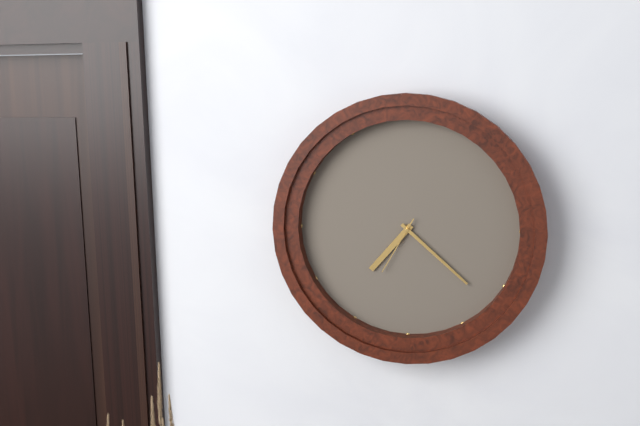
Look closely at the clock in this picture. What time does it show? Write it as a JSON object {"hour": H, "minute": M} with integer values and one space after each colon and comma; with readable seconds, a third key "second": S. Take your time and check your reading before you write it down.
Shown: {"hour": 7, "minute": 22, "second": 35}
